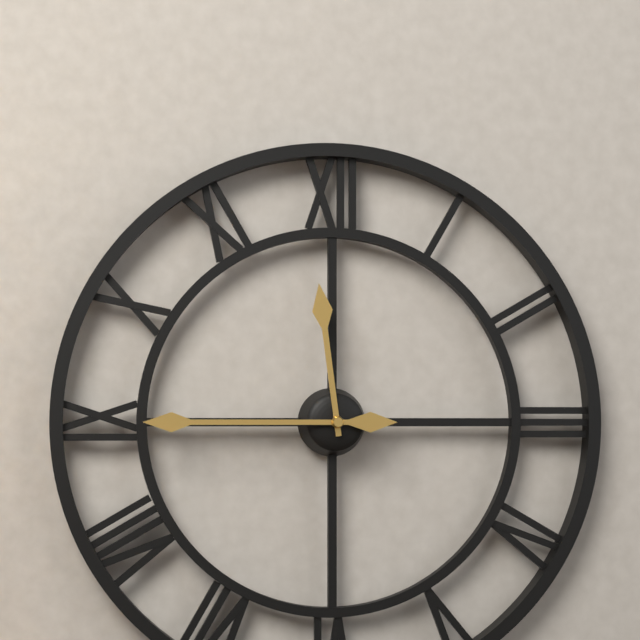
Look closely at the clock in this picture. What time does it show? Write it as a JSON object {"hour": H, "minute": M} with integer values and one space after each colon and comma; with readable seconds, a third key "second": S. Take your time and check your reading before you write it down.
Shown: {"hour": 11, "minute": 45}
